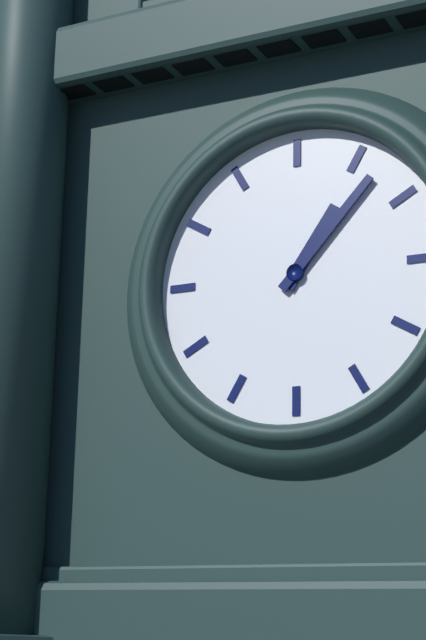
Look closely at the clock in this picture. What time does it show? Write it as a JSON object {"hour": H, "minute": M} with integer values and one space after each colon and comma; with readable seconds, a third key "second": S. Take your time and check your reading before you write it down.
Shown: {"hour": 1, "minute": 7}
